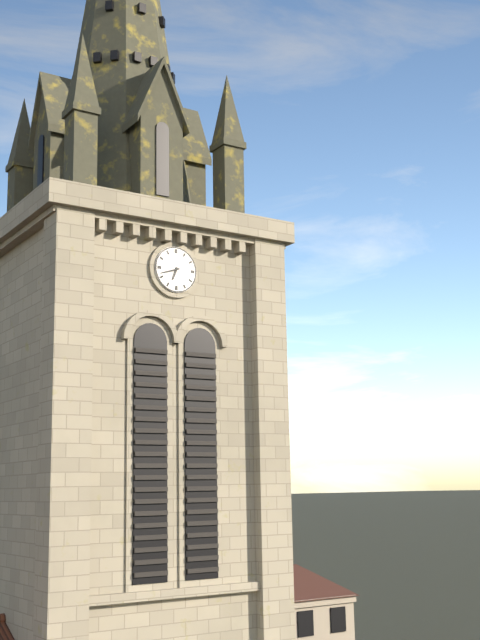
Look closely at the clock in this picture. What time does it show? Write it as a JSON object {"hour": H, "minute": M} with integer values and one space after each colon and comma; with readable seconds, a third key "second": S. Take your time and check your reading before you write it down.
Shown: {"hour": 6, "minute": 42}
